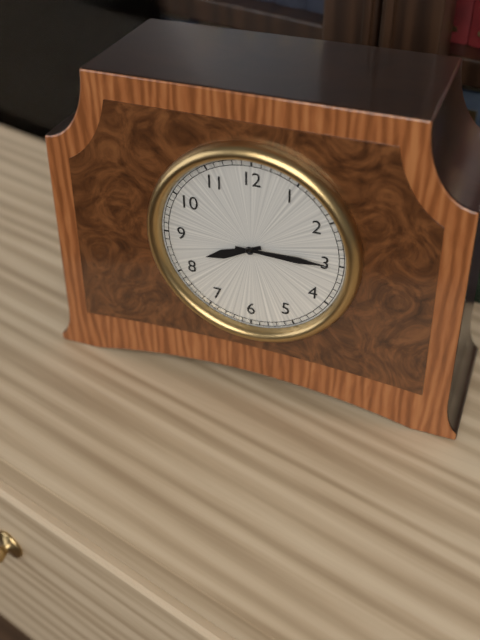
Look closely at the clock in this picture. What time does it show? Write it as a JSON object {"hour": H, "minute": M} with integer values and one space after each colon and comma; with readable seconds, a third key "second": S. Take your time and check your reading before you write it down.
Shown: {"hour": 8, "minute": 15}
